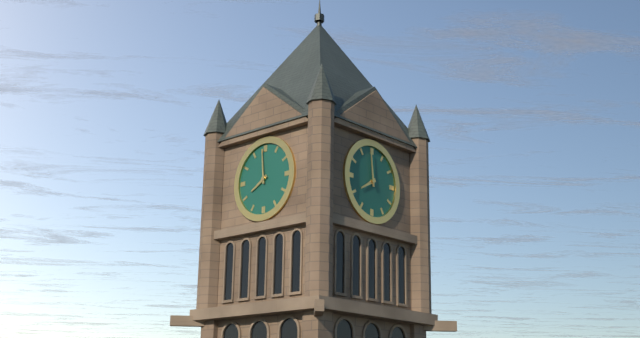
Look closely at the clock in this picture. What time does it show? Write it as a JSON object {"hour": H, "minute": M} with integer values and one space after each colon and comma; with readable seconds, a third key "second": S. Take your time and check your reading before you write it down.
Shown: {"hour": 7, "minute": 59}
